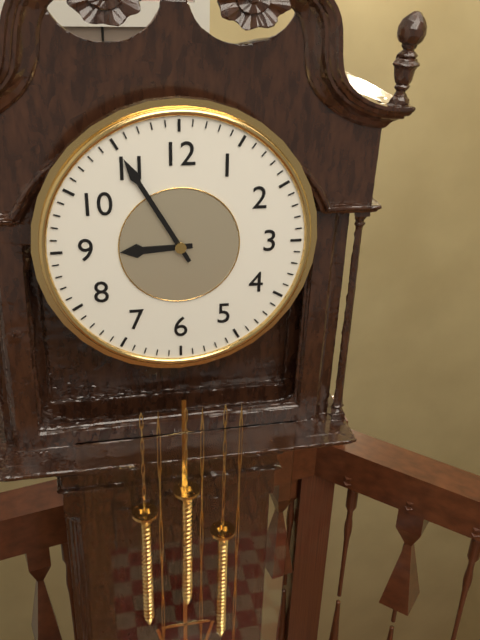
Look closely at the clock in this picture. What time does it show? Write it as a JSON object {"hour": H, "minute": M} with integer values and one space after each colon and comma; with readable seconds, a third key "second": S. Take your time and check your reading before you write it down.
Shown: {"hour": 8, "minute": 55}
